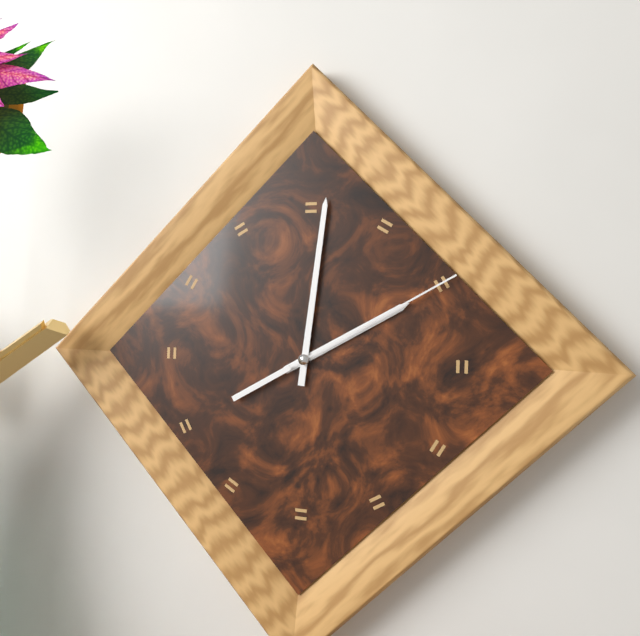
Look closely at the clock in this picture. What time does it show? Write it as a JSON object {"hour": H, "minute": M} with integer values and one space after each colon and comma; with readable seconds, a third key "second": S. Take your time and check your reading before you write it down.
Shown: {"hour": 2, "minute": 1, "second": 10}
